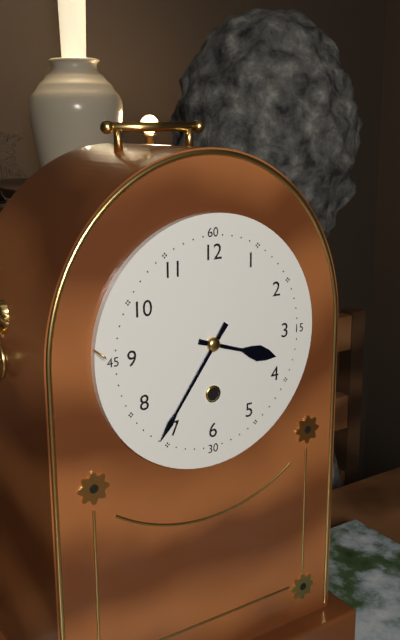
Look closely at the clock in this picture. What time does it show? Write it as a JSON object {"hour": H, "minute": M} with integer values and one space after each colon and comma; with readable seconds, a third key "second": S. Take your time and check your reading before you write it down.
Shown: {"hour": 3, "minute": 36}
